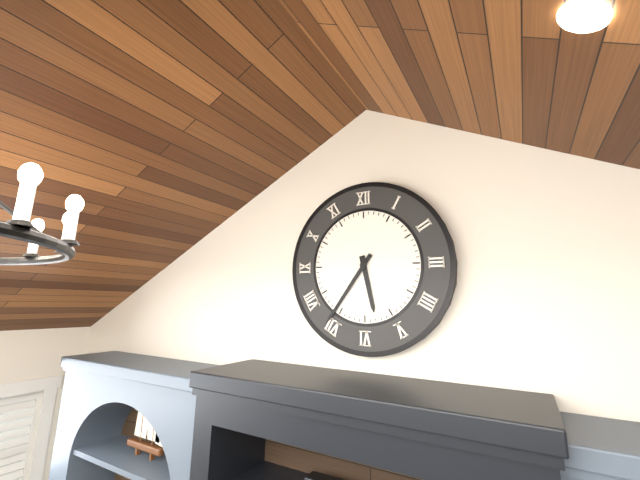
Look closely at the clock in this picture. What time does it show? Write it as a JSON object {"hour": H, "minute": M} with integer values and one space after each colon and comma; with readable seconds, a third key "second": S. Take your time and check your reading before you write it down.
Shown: {"hour": 5, "minute": 36}
